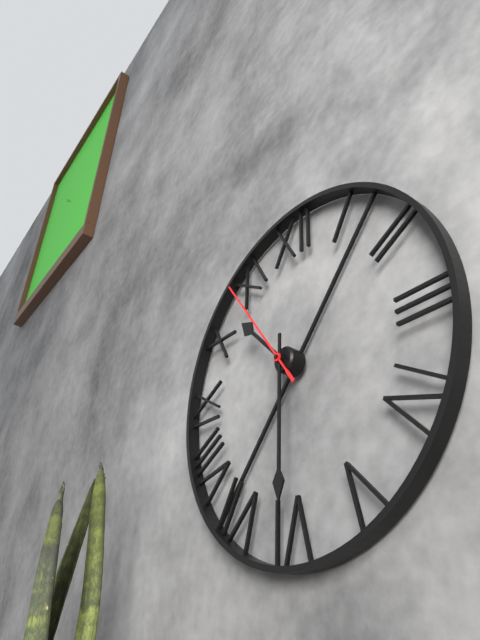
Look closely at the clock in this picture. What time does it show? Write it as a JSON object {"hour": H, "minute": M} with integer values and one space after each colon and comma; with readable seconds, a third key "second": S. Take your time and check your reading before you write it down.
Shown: {"hour": 10, "minute": 30, "second": 54}
